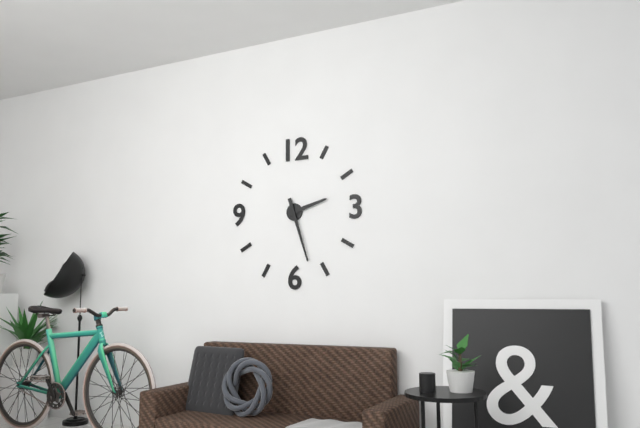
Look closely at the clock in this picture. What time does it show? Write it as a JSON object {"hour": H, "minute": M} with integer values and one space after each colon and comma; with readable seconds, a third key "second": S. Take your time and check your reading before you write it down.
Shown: {"hour": 2, "minute": 27}
